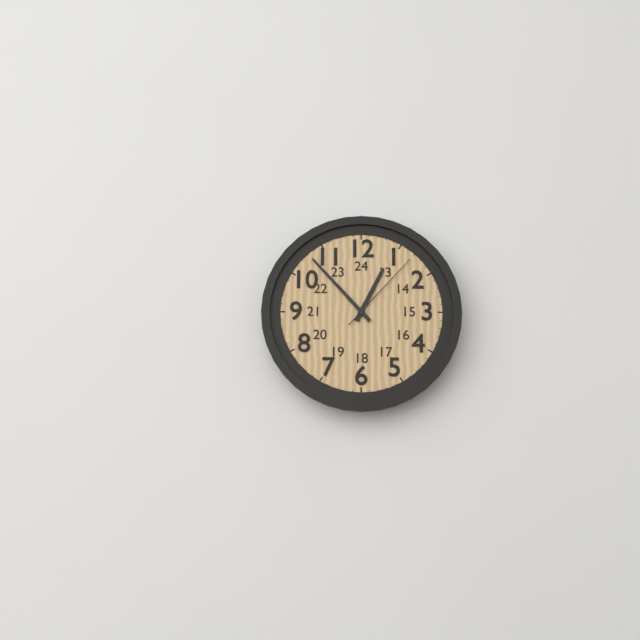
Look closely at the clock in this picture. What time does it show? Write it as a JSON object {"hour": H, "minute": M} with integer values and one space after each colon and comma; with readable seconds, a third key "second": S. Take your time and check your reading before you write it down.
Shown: {"hour": 12, "minute": 53, "second": 7}
